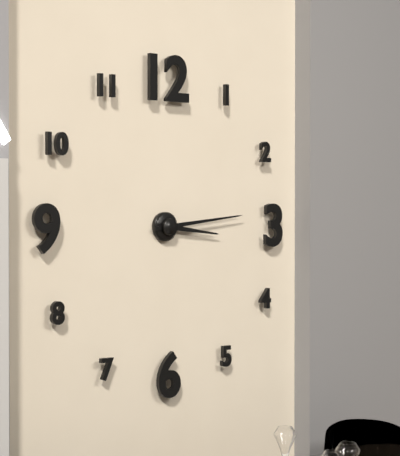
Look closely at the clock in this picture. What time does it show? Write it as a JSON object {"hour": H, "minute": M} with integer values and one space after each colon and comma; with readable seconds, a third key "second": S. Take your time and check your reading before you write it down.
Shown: {"hour": 3, "minute": 14}
